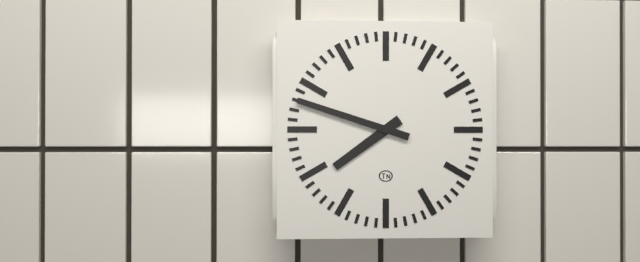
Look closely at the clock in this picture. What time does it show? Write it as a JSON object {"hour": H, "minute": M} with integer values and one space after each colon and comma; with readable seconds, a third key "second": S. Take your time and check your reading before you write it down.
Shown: {"hour": 7, "minute": 48}
